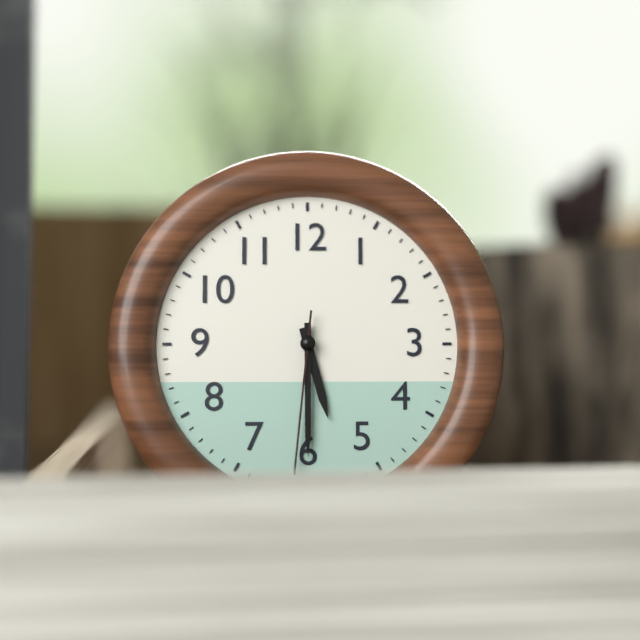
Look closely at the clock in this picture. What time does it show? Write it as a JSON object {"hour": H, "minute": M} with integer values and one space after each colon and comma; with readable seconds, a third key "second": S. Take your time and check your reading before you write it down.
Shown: {"hour": 5, "minute": 30, "second": 31}
